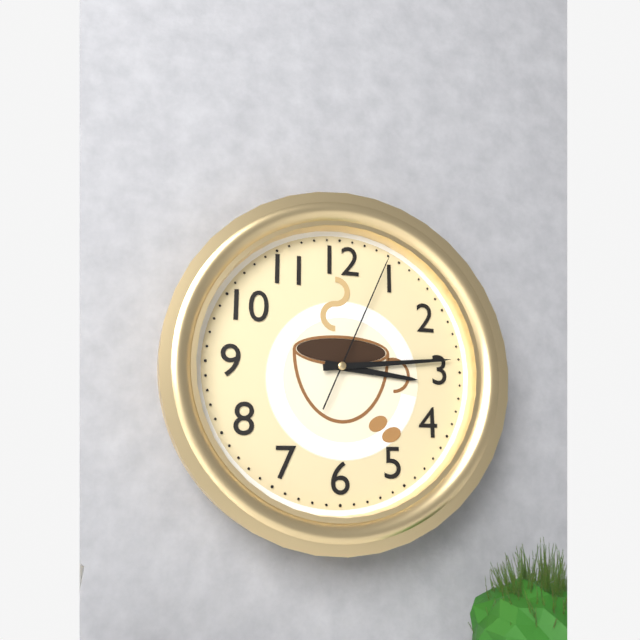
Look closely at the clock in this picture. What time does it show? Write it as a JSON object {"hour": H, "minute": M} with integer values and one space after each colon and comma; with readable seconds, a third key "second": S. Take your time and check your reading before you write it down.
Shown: {"hour": 3, "minute": 14, "second": 4}
